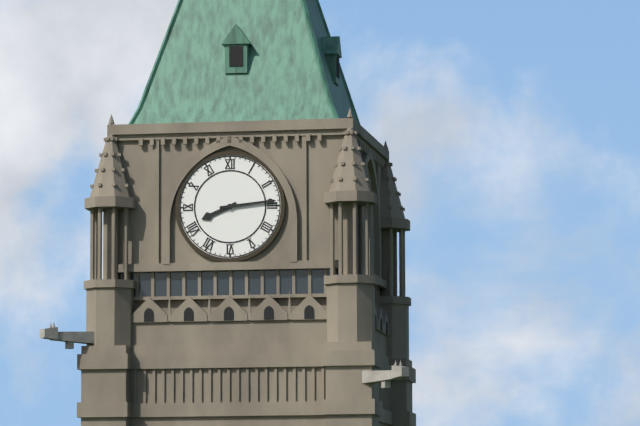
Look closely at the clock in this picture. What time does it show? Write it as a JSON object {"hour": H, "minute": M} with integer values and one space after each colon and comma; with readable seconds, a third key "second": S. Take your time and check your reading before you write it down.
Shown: {"hour": 8, "minute": 14}
